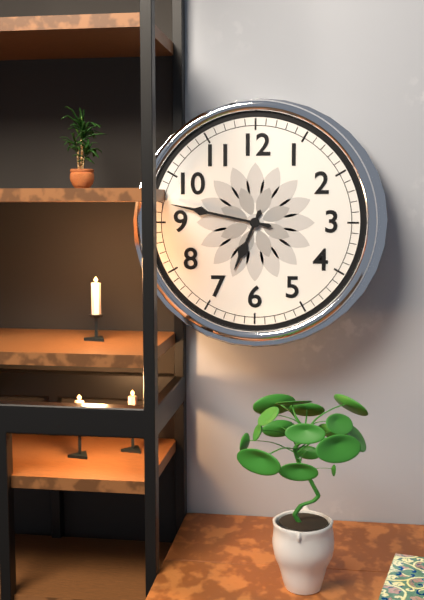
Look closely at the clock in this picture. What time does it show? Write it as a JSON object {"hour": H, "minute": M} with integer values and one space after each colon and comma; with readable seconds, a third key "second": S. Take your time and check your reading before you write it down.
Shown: {"hour": 6, "minute": 47}
